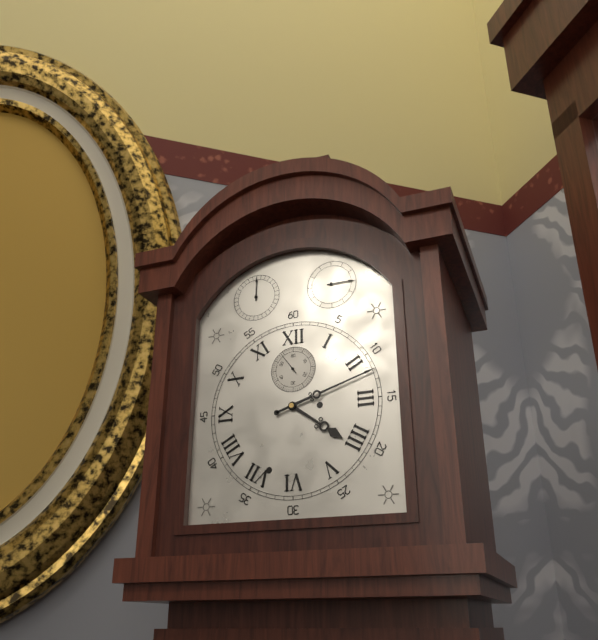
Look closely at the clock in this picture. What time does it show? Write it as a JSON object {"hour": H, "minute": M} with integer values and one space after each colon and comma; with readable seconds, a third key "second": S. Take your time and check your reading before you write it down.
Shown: {"hour": 4, "minute": 12}
